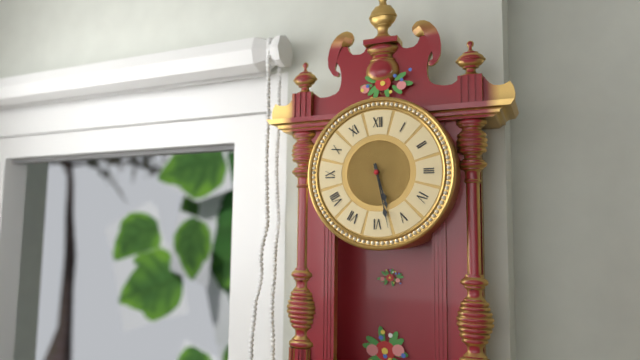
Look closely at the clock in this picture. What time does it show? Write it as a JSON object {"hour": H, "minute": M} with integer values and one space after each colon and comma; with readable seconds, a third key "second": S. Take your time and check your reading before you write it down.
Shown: {"hour": 5, "minute": 28}
